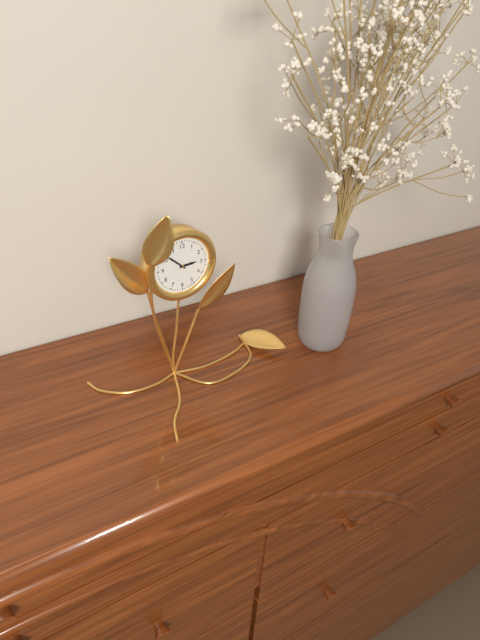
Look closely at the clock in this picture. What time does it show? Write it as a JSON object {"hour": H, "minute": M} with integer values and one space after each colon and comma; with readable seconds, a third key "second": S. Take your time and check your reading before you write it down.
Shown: {"hour": 2, "minute": 52}
